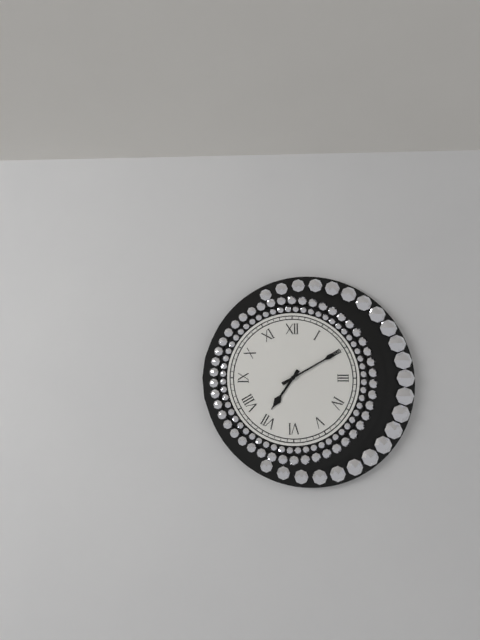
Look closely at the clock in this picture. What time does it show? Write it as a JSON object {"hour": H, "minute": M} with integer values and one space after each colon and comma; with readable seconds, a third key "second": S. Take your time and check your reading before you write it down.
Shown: {"hour": 7, "minute": 10}
